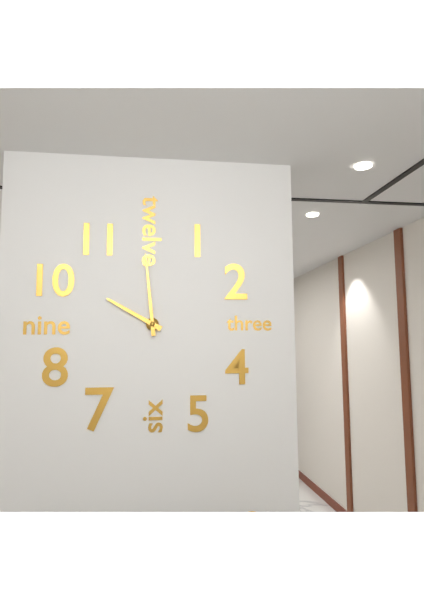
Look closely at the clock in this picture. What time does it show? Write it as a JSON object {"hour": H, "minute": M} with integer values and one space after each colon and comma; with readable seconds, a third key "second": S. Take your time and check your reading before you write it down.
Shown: {"hour": 9, "minute": 59}
